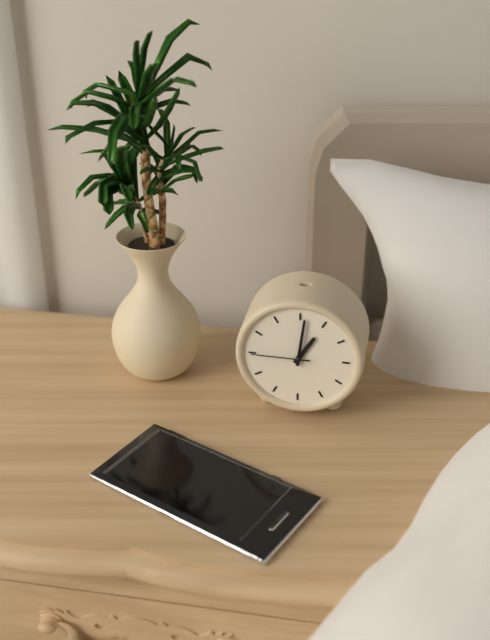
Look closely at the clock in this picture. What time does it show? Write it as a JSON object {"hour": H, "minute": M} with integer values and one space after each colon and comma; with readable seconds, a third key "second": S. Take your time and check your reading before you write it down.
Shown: {"hour": 1, "minute": 1, "second": 45}
